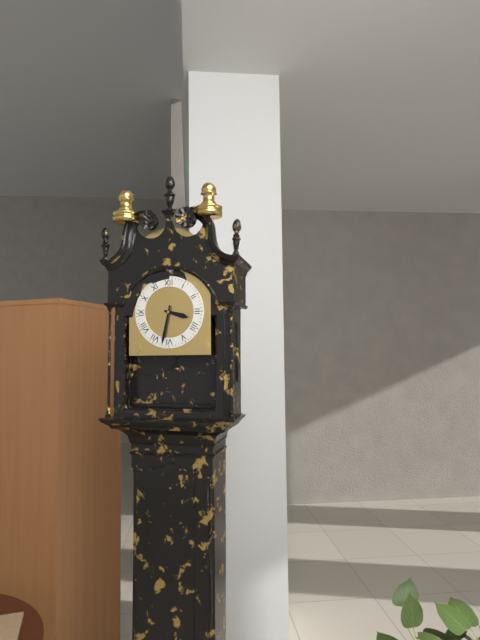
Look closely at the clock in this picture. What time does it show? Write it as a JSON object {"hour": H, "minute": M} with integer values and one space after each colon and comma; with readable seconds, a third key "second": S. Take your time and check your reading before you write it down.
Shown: {"hour": 3, "minute": 32}
